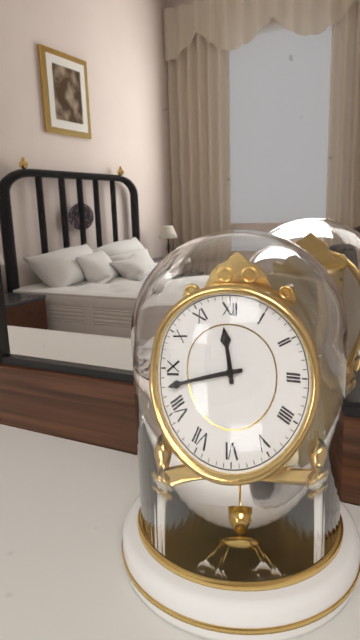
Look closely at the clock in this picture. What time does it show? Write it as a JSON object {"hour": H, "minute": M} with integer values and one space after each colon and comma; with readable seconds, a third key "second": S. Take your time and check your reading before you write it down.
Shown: {"hour": 11, "minute": 43}
